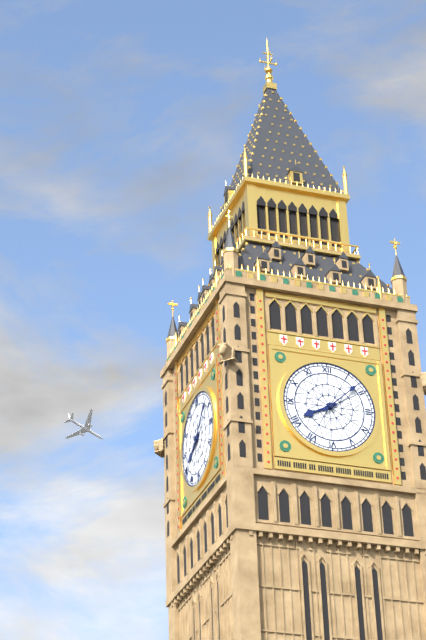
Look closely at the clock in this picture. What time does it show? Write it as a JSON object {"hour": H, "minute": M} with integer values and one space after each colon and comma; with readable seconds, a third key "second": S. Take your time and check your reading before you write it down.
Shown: {"hour": 8, "minute": 8}
